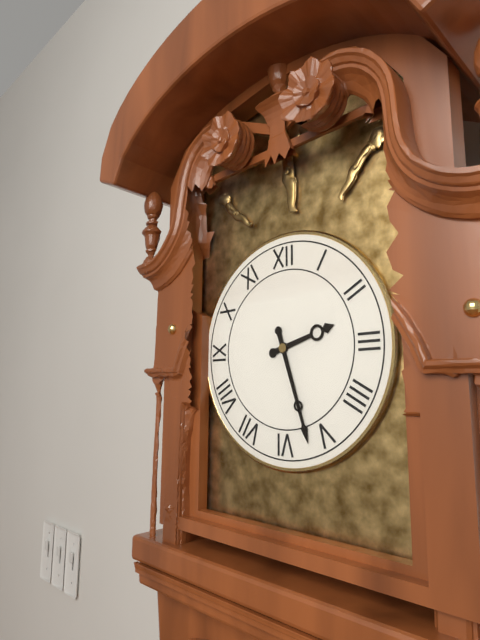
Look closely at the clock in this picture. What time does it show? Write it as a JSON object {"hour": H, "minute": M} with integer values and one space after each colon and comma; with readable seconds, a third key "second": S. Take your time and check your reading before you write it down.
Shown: {"hour": 2, "minute": 27}
